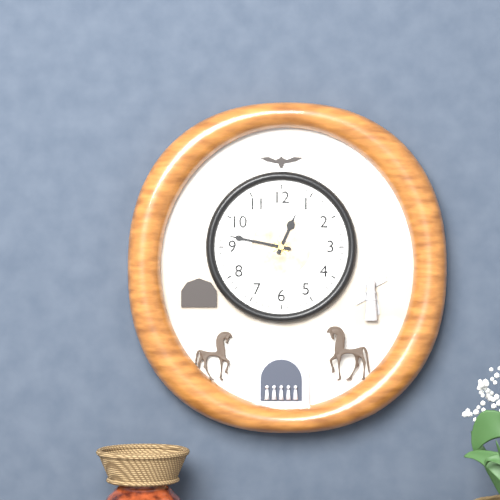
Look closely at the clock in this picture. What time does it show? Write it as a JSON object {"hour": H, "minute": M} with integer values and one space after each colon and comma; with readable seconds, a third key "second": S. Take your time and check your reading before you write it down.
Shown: {"hour": 12, "minute": 47}
